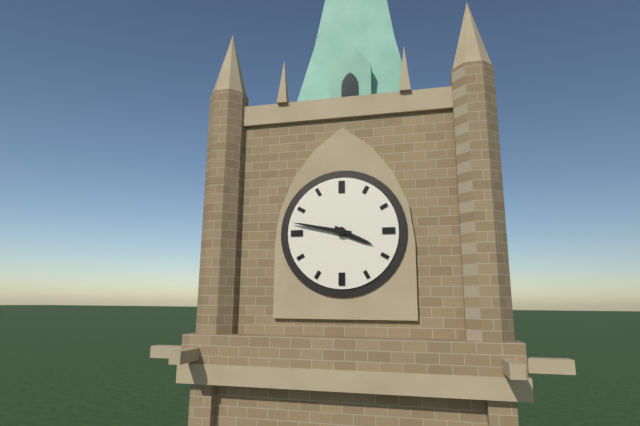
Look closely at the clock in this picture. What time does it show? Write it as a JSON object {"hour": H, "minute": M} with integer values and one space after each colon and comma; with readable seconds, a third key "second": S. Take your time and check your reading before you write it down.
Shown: {"hour": 3, "minute": 47}
